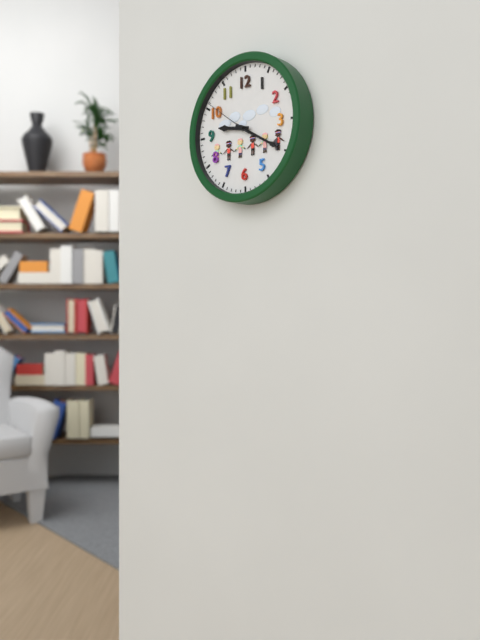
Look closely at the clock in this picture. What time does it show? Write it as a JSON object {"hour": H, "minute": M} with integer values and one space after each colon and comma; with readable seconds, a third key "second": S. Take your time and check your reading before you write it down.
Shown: {"hour": 9, "minute": 20, "second": 51}
